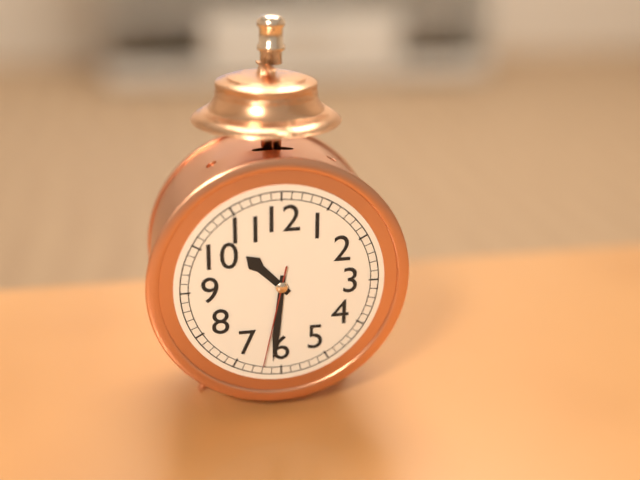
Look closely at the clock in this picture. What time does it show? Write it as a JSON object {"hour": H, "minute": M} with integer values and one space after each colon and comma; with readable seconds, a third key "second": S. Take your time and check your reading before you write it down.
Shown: {"hour": 10, "minute": 31, "second": 32}
